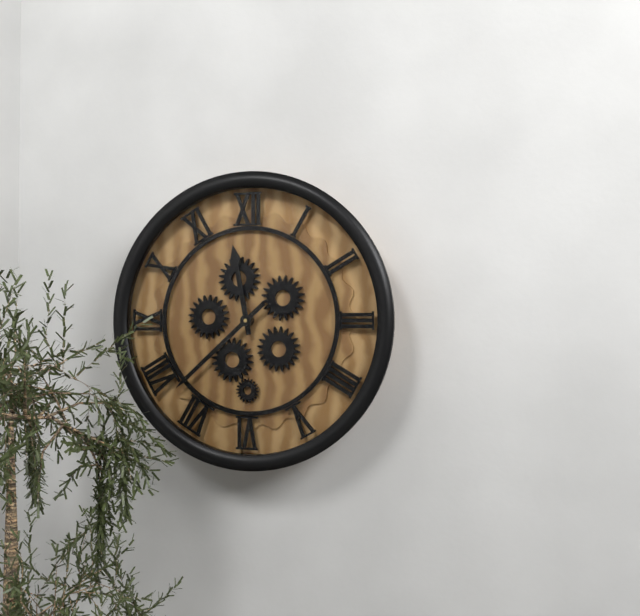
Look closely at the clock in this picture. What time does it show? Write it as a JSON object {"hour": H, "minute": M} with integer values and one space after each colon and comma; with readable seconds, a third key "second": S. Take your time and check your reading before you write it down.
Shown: {"hour": 11, "minute": 38}
